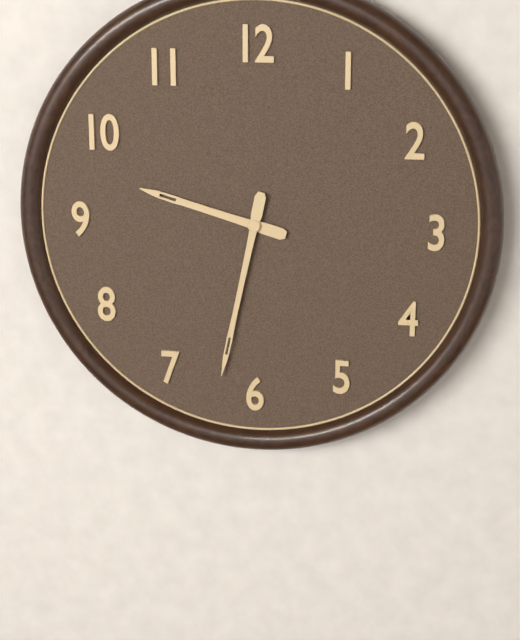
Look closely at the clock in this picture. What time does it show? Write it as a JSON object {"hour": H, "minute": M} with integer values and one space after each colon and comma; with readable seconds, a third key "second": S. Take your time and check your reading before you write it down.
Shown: {"hour": 9, "minute": 32}
